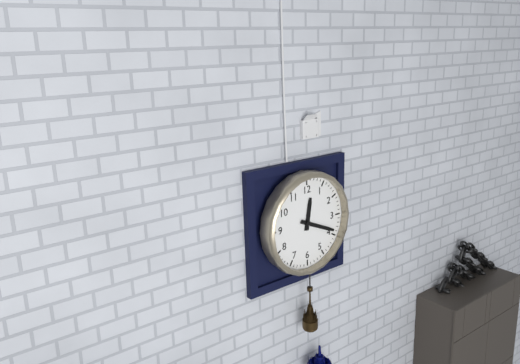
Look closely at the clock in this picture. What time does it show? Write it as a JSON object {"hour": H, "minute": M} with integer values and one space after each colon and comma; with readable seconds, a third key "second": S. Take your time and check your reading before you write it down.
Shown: {"hour": 12, "minute": 19}
